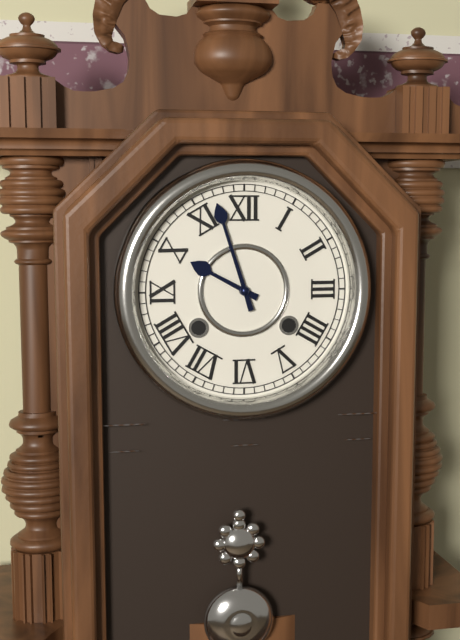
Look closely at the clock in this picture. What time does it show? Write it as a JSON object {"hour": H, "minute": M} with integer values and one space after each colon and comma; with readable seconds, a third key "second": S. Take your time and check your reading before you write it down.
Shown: {"hour": 9, "minute": 57}
